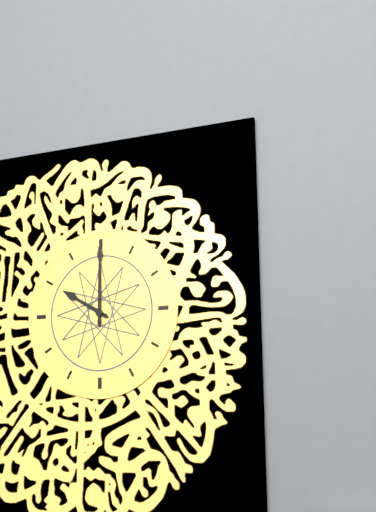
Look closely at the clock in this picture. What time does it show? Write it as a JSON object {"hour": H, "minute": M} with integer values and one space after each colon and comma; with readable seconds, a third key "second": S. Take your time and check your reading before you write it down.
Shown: {"hour": 10, "minute": 0}
